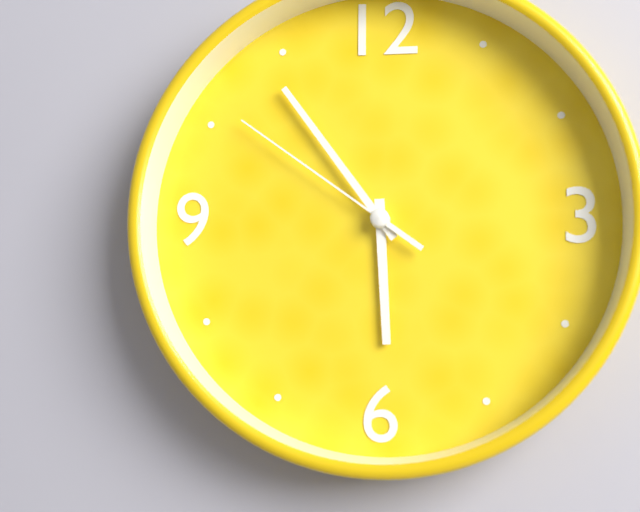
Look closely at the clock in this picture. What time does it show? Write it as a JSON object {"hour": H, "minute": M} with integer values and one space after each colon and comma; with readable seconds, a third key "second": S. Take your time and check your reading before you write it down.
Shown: {"hour": 5, "minute": 54, "second": 51}
